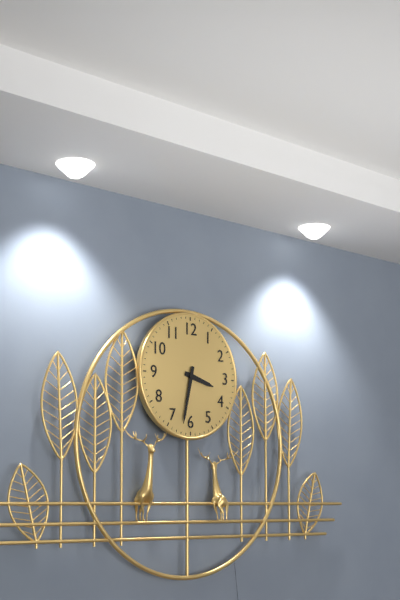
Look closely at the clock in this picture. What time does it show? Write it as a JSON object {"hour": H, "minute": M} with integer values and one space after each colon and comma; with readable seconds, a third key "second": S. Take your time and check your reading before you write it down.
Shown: {"hour": 3, "minute": 32}
